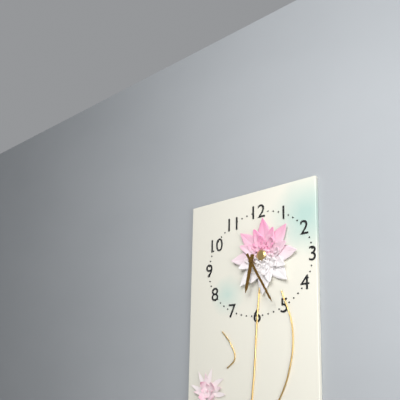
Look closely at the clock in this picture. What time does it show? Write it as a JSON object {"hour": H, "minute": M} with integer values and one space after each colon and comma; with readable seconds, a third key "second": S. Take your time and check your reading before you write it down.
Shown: {"hour": 6, "minute": 25}
